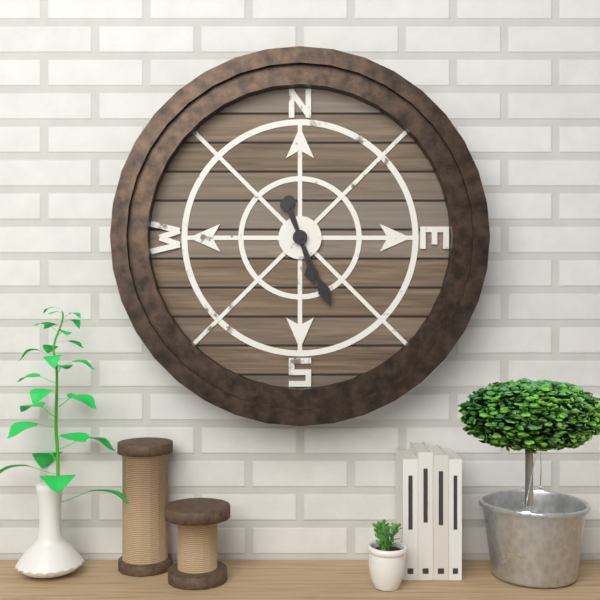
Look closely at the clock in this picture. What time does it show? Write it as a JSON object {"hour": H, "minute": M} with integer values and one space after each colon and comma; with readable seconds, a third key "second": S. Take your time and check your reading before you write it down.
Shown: {"hour": 5, "minute": 26}
